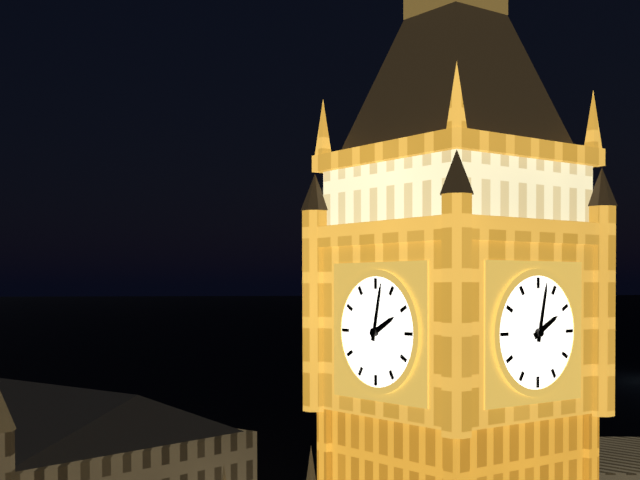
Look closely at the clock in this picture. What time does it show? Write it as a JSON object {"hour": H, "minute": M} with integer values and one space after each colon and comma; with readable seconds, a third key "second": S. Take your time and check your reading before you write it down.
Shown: {"hour": 2, "minute": 2}
